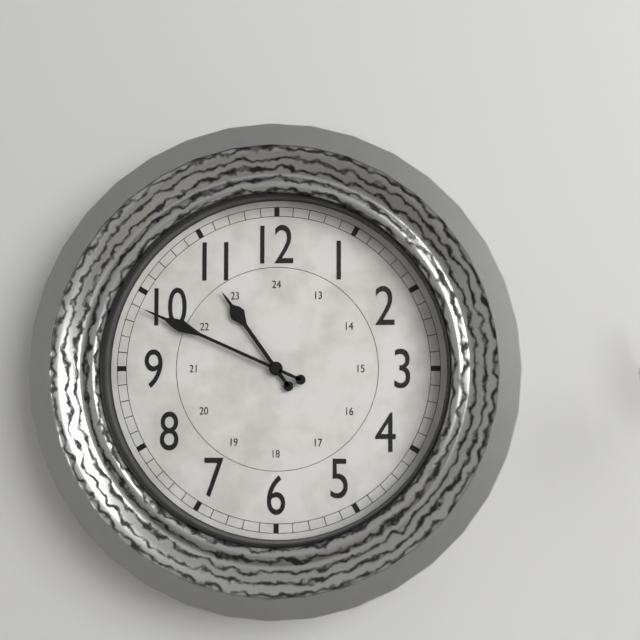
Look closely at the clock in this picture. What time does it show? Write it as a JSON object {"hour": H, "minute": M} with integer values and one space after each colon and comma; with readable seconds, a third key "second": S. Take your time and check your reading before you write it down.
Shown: {"hour": 10, "minute": 49}
